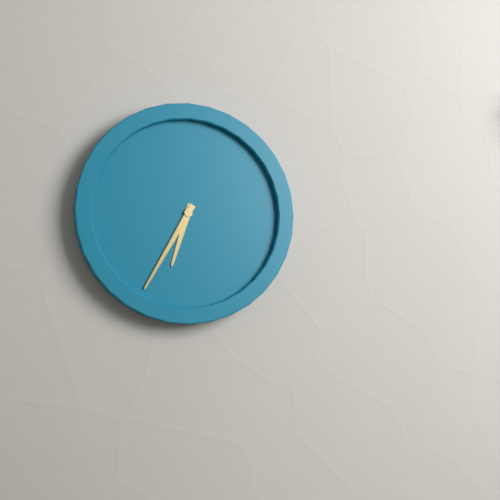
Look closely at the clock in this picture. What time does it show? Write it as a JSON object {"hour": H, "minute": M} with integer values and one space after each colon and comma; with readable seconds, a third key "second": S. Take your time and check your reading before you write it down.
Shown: {"hour": 6, "minute": 35}
